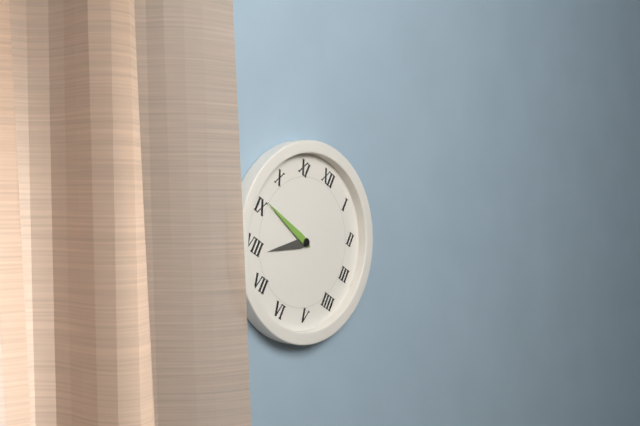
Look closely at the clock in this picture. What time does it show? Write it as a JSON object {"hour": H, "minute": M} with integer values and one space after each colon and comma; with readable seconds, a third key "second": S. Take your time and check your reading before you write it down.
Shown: {"hour": 7, "minute": 46}
